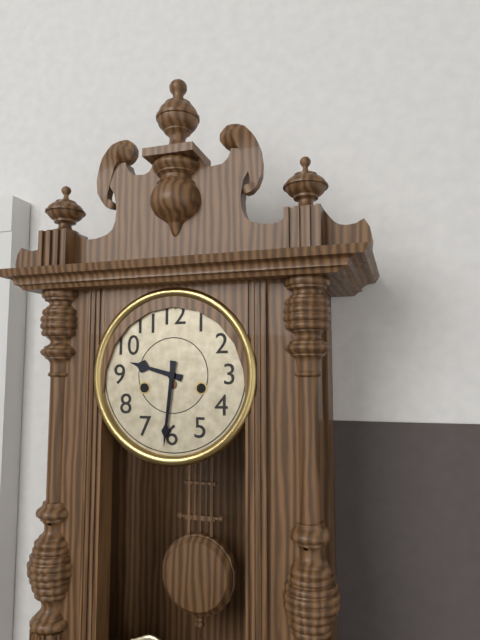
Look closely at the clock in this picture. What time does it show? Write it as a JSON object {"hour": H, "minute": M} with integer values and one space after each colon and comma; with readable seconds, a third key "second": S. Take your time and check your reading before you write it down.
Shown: {"hour": 9, "minute": 31}
